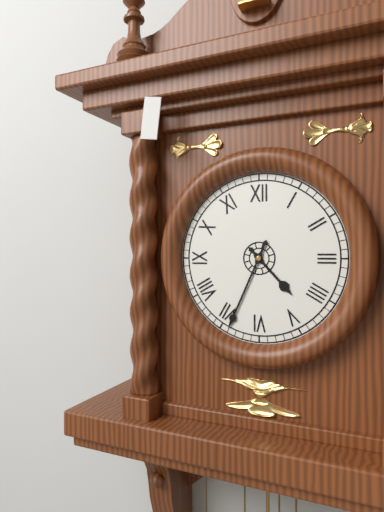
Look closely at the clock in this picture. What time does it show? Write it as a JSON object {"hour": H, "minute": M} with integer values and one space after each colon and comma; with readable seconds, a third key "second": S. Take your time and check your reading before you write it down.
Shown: {"hour": 4, "minute": 34}
